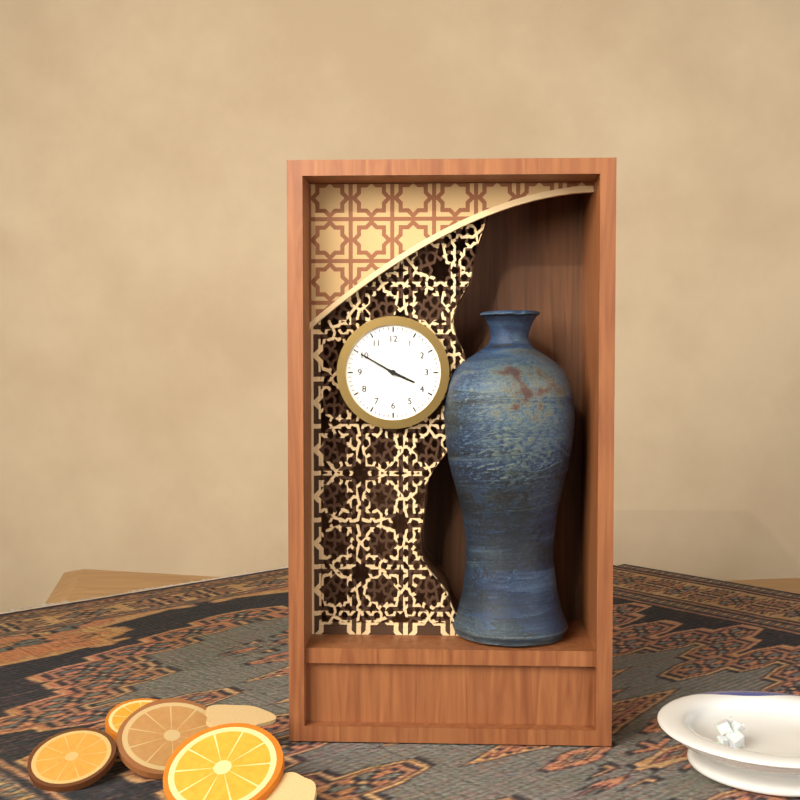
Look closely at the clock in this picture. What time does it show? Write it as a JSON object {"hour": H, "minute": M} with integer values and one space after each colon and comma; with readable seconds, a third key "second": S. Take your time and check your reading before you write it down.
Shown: {"hour": 3, "minute": 50}
